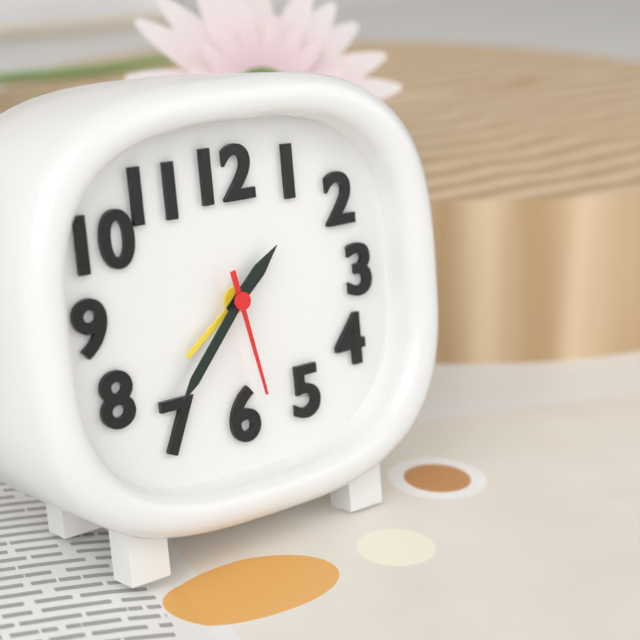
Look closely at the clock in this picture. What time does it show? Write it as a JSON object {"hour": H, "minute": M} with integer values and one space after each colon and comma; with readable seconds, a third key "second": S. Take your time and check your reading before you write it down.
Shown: {"hour": 1, "minute": 37, "second": 28}
